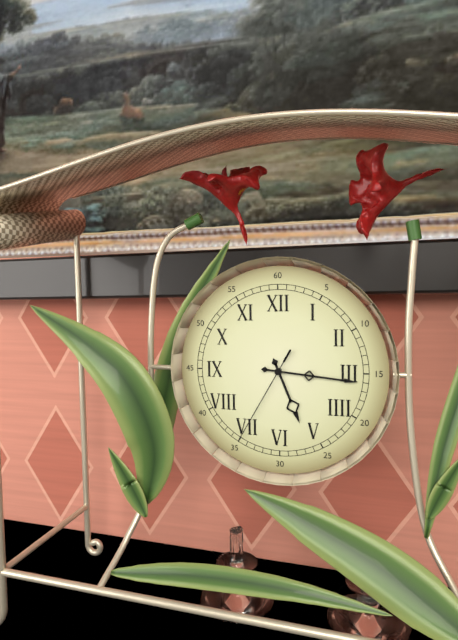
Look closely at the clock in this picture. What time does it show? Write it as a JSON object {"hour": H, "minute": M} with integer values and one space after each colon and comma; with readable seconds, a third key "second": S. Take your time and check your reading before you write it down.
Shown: {"hour": 5, "minute": 16, "second": 35}
